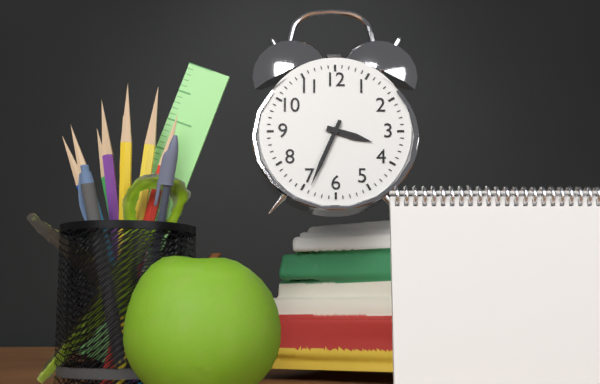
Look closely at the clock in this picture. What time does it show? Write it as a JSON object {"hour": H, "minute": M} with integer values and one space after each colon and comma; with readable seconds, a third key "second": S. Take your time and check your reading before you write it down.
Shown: {"hour": 3, "minute": 34}
